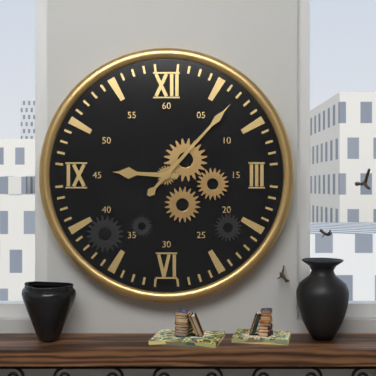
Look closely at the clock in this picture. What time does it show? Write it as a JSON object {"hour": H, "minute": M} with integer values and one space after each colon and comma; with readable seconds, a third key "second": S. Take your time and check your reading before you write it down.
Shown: {"hour": 9, "minute": 7}
